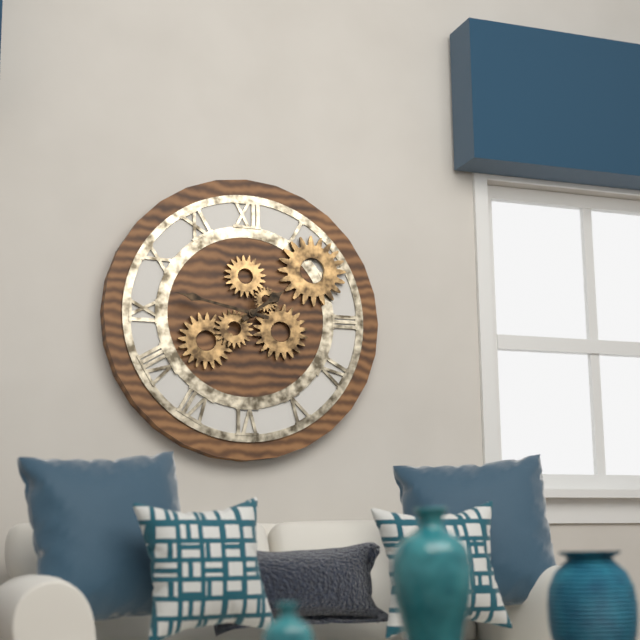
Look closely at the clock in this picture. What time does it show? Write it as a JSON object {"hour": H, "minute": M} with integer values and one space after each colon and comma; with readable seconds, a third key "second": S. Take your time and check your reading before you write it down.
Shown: {"hour": 1, "minute": 47}
